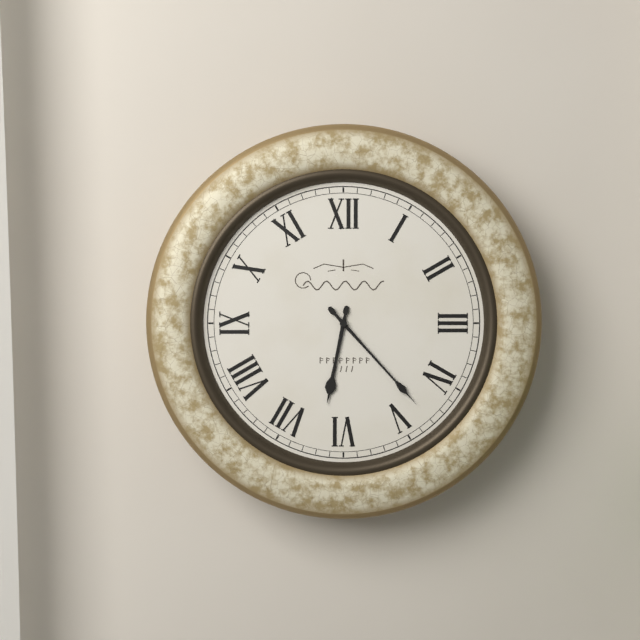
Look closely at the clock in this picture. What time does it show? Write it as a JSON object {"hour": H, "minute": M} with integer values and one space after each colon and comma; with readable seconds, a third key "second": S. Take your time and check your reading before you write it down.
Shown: {"hour": 6, "minute": 23}
